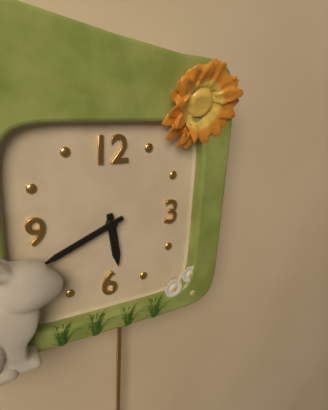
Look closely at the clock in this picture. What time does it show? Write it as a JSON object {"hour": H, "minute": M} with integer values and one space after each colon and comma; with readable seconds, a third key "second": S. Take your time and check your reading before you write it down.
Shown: {"hour": 5, "minute": 41}
